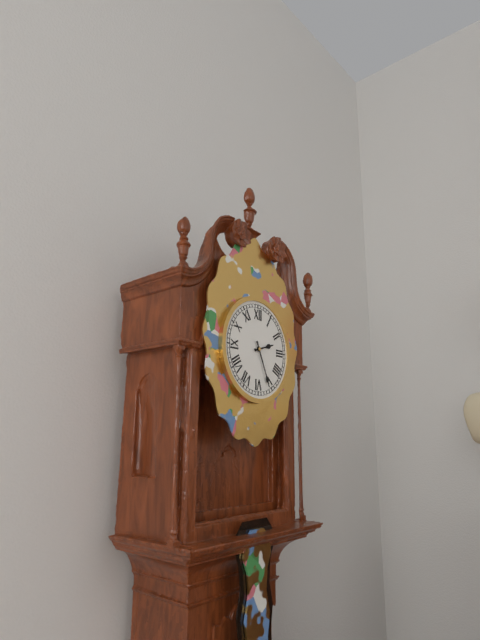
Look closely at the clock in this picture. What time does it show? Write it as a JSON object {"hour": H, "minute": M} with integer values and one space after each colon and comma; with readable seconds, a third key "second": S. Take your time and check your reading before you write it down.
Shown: {"hour": 2, "minute": 26}
